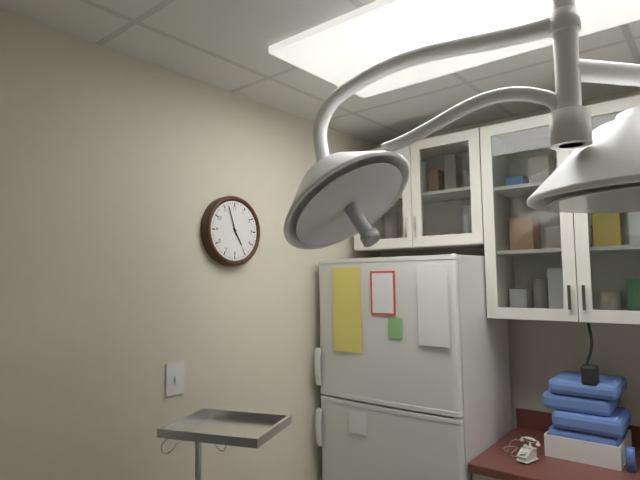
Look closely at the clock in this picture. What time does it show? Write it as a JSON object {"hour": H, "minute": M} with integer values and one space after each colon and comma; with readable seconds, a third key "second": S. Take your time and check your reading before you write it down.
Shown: {"hour": 4, "minute": 57}
